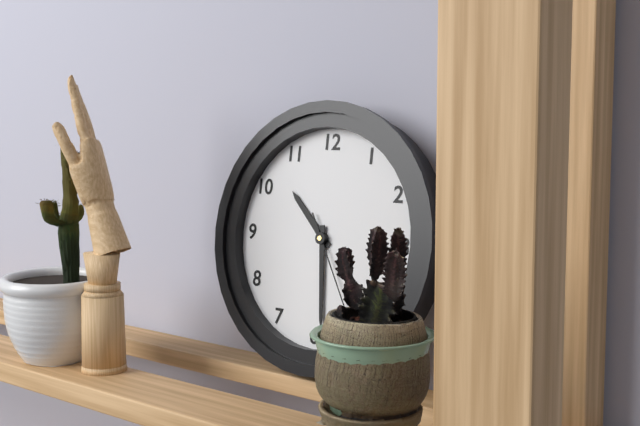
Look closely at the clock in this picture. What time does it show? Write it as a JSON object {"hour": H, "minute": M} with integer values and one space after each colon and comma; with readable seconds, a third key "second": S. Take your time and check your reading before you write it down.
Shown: {"hour": 10, "minute": 29, "second": 25}
